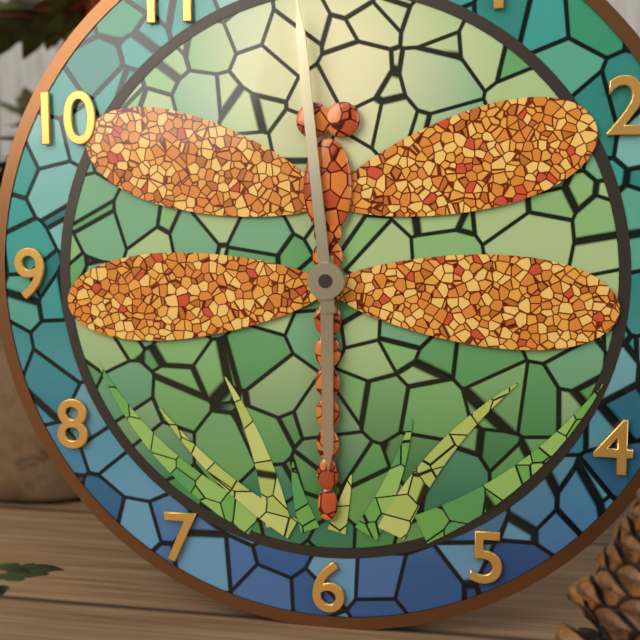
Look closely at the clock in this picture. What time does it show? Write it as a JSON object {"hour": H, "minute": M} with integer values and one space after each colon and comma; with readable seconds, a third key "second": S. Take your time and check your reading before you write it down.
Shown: {"hour": 5, "minute": 59}
